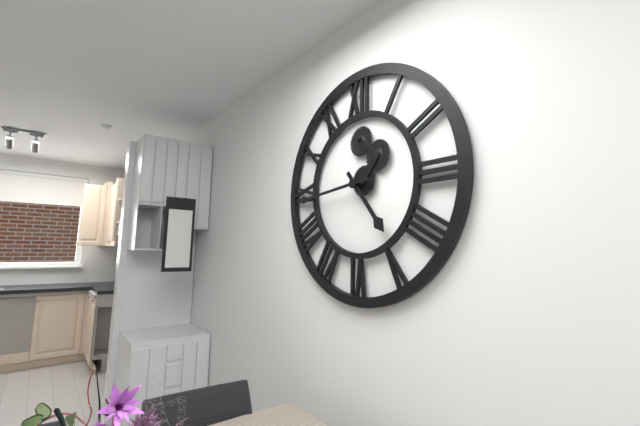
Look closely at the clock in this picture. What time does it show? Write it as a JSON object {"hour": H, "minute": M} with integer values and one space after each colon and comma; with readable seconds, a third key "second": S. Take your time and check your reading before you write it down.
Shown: {"hour": 4, "minute": 44}
